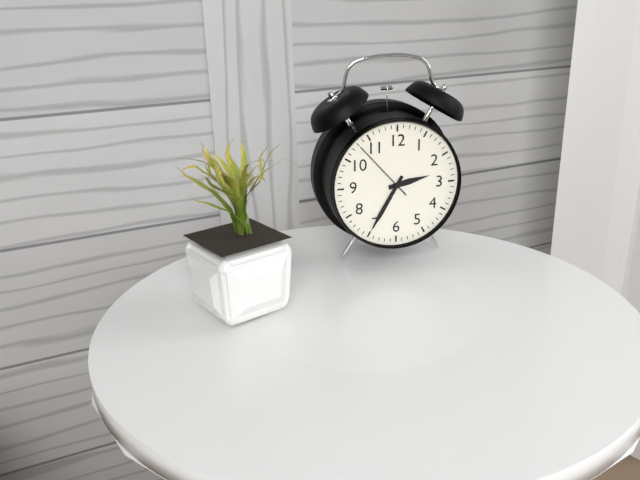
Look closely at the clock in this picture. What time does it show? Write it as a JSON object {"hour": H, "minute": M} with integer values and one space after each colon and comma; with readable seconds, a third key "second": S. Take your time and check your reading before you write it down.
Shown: {"hour": 2, "minute": 35, "second": 53}
